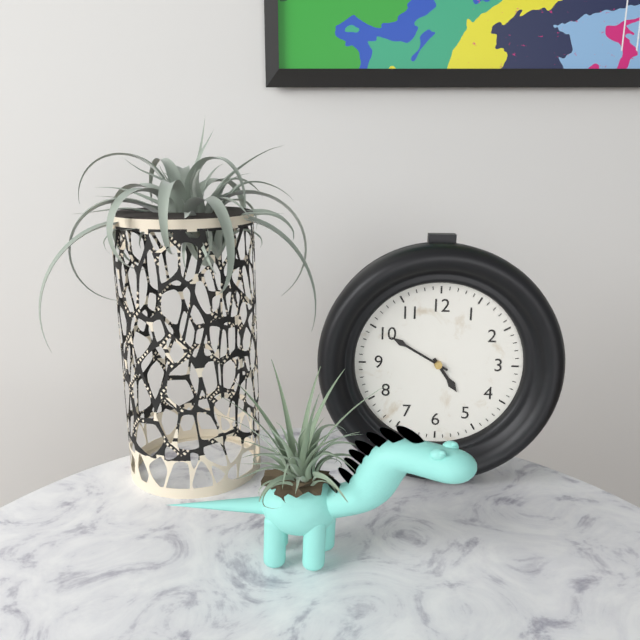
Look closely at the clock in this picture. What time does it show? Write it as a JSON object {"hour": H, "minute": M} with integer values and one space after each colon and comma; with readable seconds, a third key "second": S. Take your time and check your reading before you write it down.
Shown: {"hour": 4, "minute": 50}
